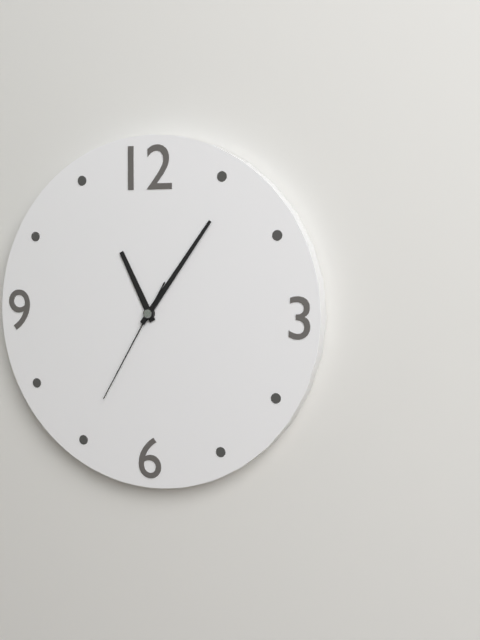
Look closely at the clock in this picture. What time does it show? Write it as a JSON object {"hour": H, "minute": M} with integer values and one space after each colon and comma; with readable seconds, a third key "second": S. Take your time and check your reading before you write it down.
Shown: {"hour": 11, "minute": 6, "second": 35}
